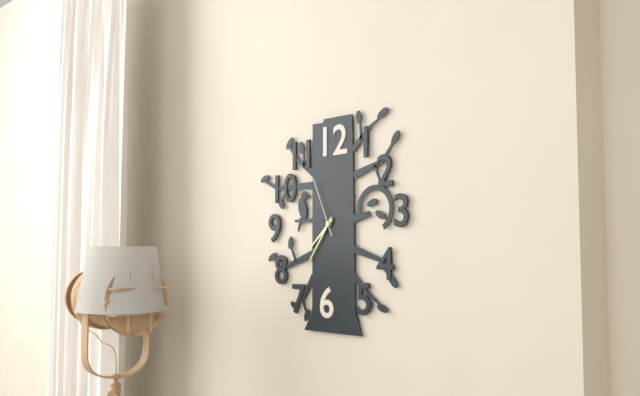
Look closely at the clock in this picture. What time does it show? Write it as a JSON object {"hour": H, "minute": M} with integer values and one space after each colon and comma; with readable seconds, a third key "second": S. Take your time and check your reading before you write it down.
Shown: {"hour": 7, "minute": 36, "second": 56}
